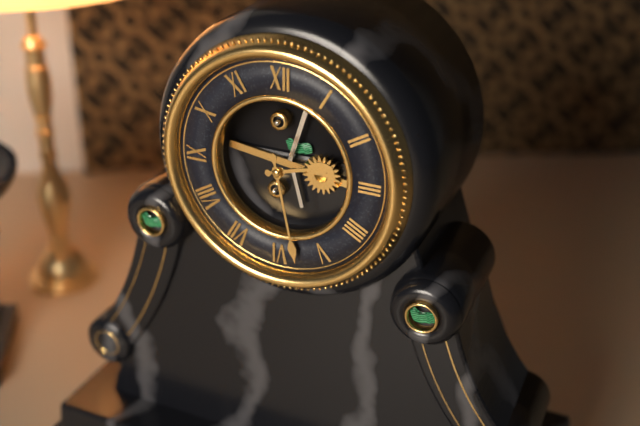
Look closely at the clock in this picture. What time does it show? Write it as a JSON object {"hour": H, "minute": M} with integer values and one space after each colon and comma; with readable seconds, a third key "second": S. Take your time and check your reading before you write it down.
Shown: {"hour": 2, "minute": 28}
